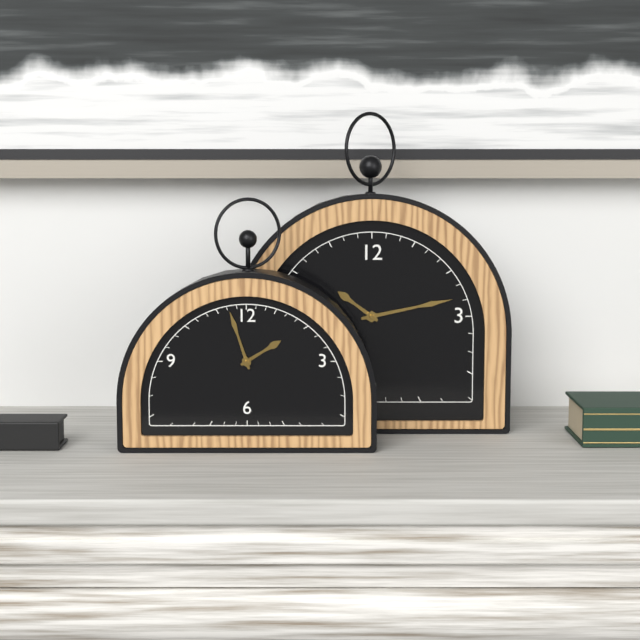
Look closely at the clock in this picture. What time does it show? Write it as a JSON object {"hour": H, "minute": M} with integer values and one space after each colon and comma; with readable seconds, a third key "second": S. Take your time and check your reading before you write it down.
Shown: {"hour": 1, "minute": 57}
